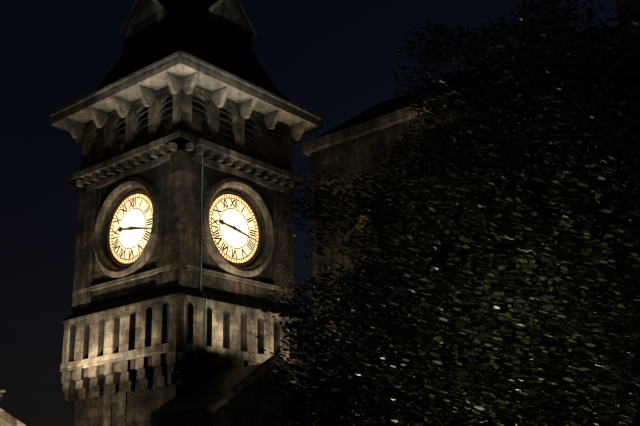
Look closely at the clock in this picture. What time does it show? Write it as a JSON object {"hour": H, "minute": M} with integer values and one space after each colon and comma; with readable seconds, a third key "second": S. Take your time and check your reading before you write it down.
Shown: {"hour": 9, "minute": 17}
